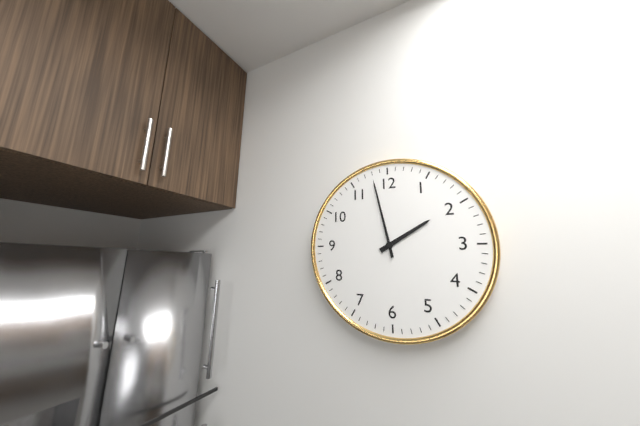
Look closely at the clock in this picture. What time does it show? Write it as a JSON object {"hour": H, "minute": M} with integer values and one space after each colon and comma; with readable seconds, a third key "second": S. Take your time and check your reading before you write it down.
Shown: {"hour": 1, "minute": 58}
